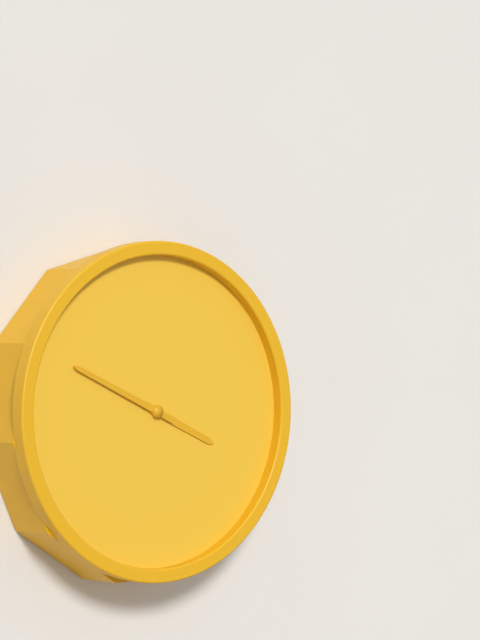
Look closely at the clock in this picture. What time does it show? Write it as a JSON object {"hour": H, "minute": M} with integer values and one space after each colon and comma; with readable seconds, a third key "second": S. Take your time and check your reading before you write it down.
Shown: {"hour": 3, "minute": 49}
